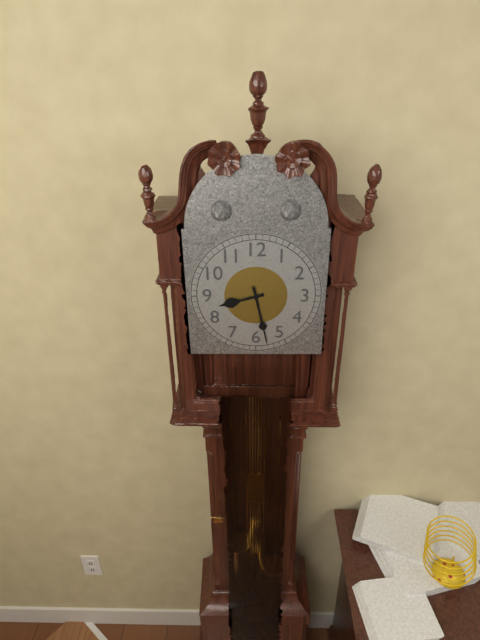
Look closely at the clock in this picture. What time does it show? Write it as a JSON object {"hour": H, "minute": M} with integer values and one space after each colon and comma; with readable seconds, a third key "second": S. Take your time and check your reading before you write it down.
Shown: {"hour": 8, "minute": 28}
